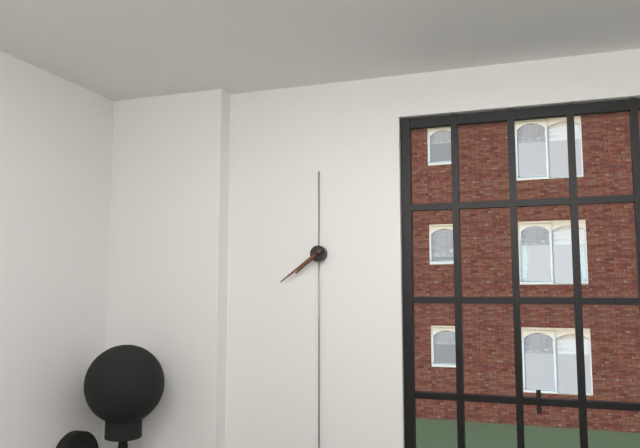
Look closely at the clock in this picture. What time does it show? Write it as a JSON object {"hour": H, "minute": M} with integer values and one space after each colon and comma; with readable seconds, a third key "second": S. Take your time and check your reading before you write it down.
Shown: {"hour": 7, "minute": 39}
